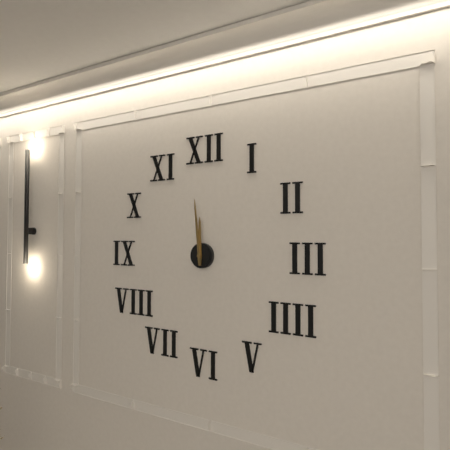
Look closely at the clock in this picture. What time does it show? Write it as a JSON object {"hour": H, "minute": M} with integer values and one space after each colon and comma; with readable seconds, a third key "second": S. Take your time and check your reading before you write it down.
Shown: {"hour": 11, "minute": 59}
